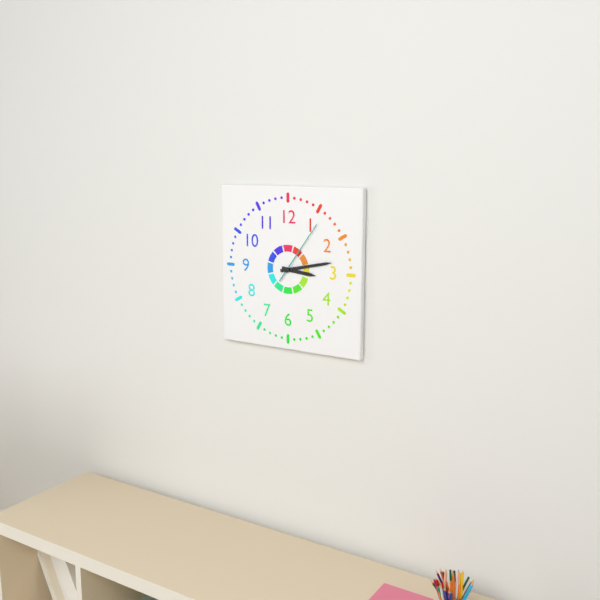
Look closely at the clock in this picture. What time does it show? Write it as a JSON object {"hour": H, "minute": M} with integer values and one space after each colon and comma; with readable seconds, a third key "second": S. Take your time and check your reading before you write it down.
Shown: {"hour": 3, "minute": 13, "second": 6}
